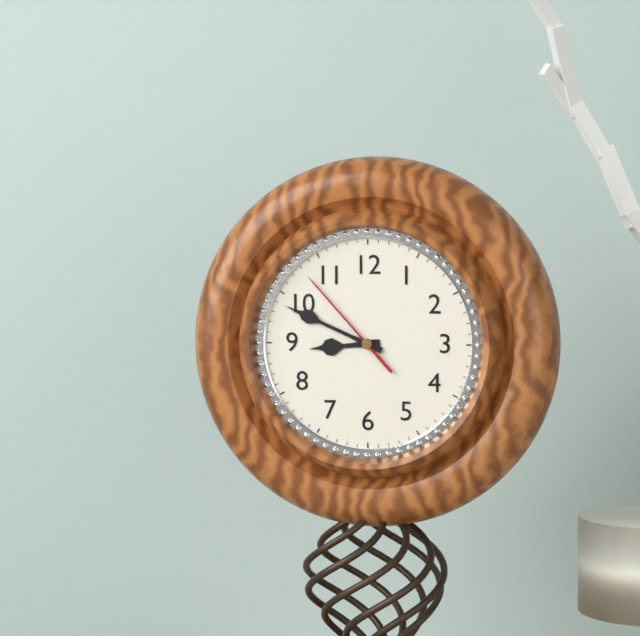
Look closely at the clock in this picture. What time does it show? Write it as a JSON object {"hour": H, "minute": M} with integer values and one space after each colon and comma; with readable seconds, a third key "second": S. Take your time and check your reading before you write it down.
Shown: {"hour": 8, "minute": 49, "second": 53}
